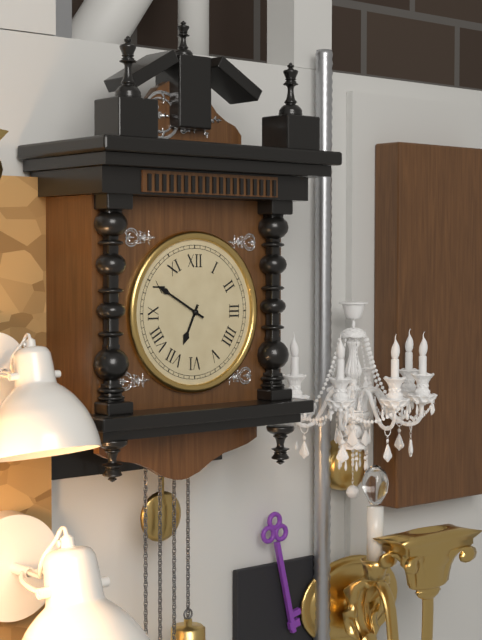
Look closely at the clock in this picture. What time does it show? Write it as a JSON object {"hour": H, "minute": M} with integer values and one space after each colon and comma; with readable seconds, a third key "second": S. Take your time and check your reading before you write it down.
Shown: {"hour": 6, "minute": 50}
